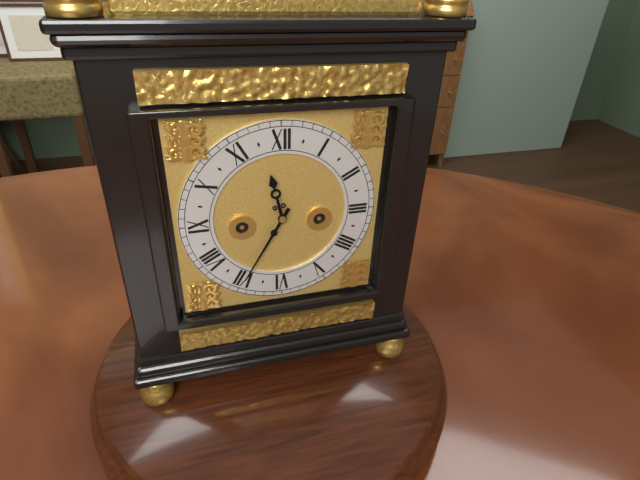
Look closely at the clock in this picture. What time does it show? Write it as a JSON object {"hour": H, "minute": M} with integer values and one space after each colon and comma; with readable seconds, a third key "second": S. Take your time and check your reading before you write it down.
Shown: {"hour": 11, "minute": 35}
